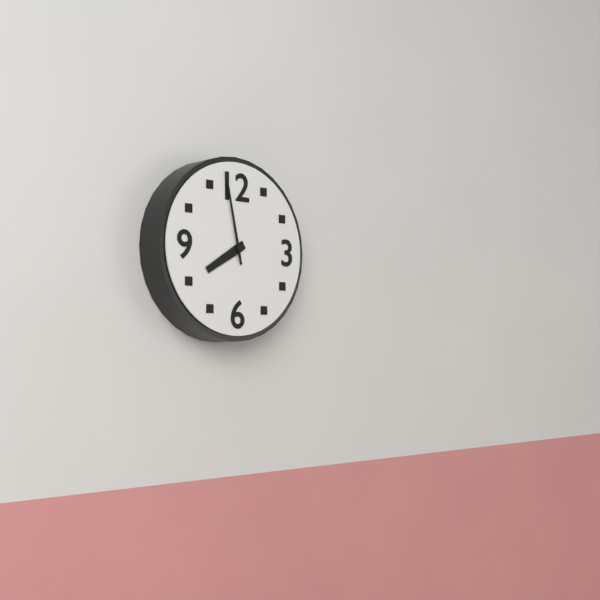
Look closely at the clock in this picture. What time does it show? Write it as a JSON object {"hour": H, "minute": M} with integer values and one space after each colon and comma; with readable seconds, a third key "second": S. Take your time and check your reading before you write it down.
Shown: {"hour": 7, "minute": 58}
